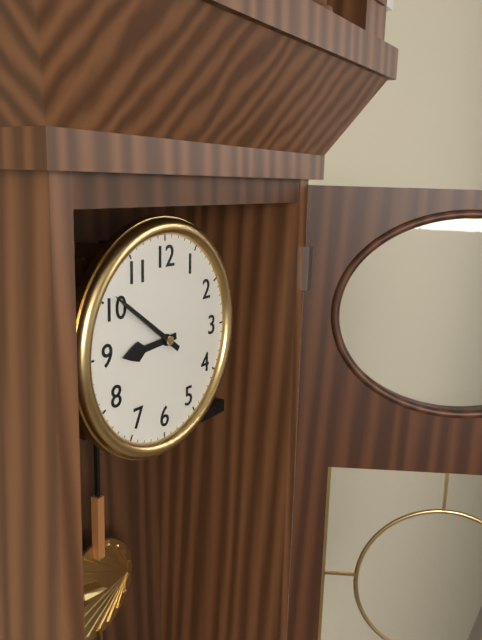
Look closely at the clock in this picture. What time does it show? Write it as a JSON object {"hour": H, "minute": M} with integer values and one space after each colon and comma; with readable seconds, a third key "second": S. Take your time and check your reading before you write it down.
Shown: {"hour": 8, "minute": 51}
